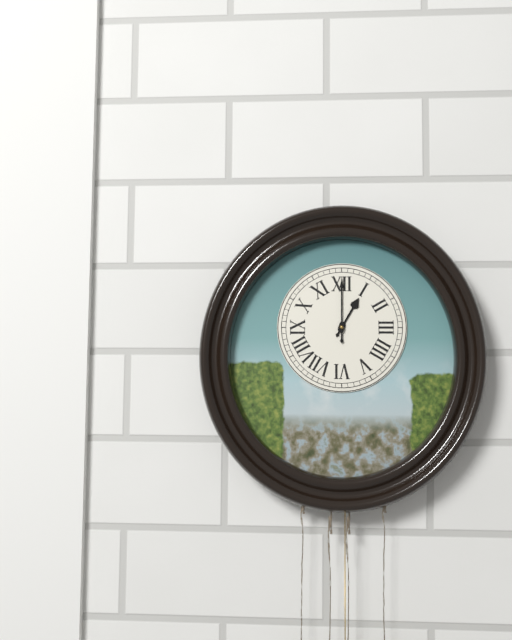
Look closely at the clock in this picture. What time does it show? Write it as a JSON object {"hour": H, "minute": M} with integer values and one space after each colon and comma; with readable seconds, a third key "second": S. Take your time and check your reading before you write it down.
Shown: {"hour": 1, "minute": 0}
